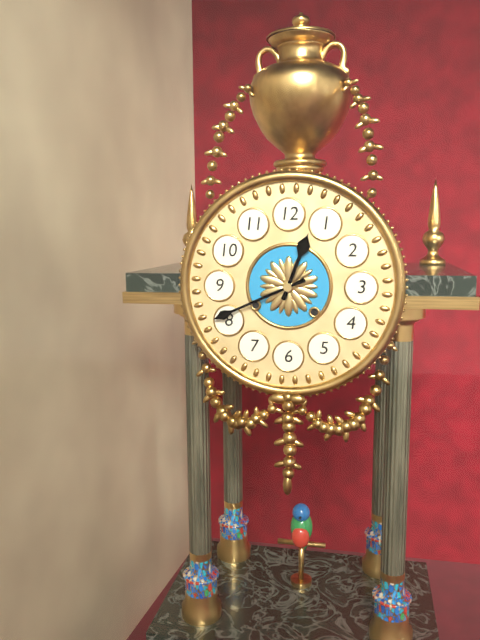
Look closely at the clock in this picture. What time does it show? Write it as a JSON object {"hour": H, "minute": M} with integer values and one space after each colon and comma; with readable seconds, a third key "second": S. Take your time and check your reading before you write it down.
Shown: {"hour": 12, "minute": 41}
